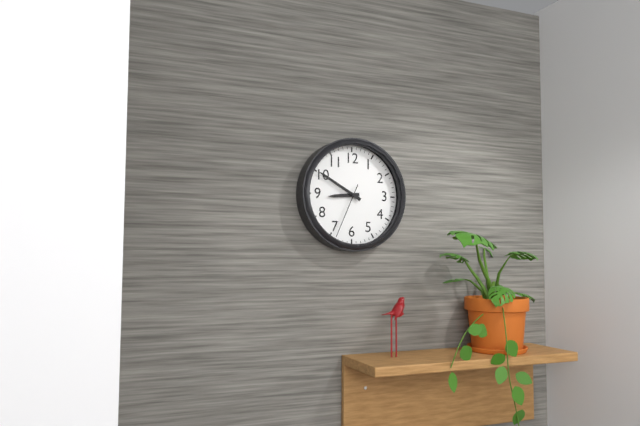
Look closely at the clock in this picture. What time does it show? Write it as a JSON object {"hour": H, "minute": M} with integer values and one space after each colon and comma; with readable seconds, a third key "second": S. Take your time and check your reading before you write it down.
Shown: {"hour": 8, "minute": 50, "second": 34}
